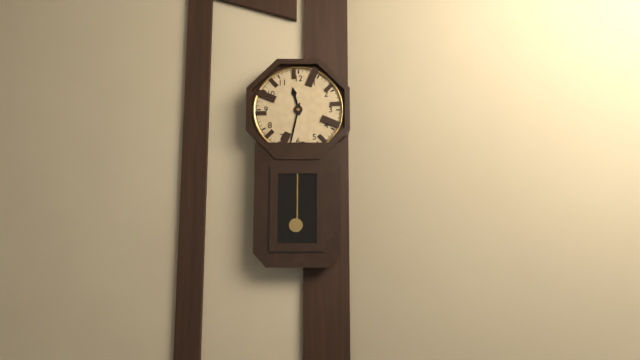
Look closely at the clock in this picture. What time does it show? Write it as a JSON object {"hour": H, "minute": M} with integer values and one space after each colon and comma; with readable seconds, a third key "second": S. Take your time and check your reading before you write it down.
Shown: {"hour": 11, "minute": 32}
